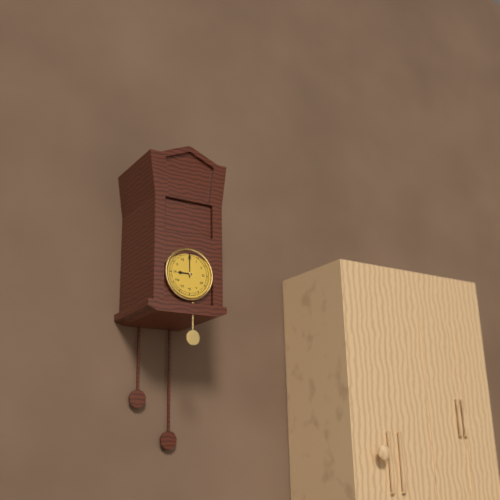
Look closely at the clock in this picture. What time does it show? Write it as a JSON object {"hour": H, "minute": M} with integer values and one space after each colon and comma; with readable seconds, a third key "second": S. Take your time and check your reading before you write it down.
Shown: {"hour": 9, "minute": 0}
